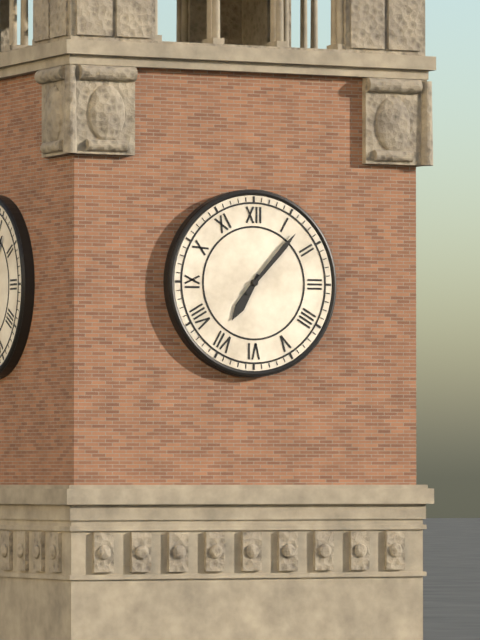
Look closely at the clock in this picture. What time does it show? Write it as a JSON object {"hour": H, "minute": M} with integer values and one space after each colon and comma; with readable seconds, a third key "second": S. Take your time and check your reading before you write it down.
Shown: {"hour": 7, "minute": 7}
